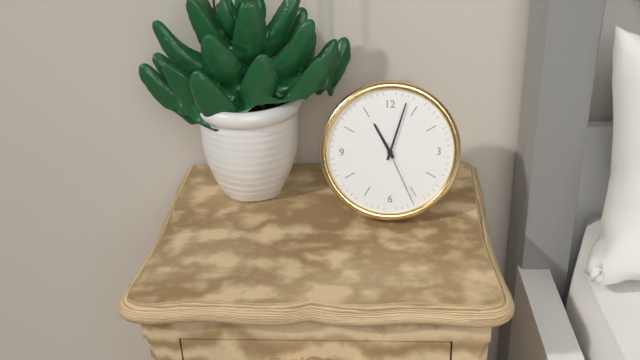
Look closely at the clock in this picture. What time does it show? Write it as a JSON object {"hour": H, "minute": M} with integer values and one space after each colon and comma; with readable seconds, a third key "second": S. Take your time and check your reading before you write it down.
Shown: {"hour": 11, "minute": 3, "second": 26}
